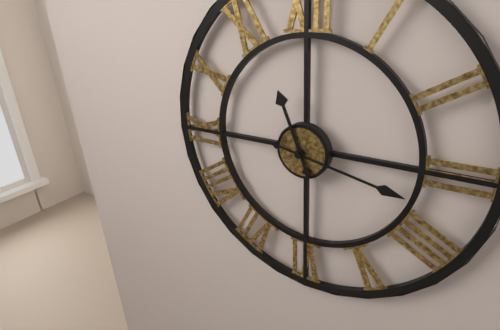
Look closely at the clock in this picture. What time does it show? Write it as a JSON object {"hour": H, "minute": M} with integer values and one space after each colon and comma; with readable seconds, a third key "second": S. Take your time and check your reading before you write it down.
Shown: {"hour": 11, "minute": 17}
